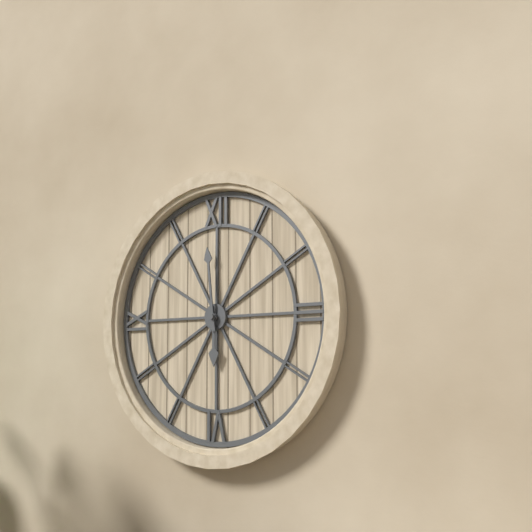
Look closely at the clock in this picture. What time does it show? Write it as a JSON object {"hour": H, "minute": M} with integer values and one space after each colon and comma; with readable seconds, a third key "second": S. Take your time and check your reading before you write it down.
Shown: {"hour": 5, "minute": 59}
